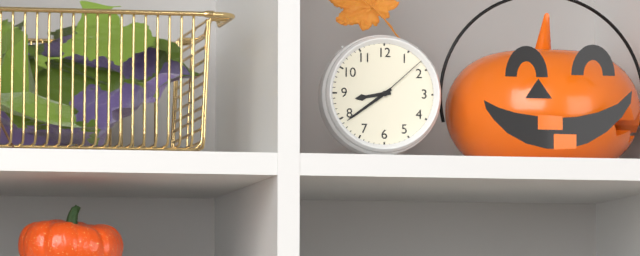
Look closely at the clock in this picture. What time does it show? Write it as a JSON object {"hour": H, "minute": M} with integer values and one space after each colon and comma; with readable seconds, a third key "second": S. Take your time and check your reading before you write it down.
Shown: {"hour": 8, "minute": 39, "second": 8}
